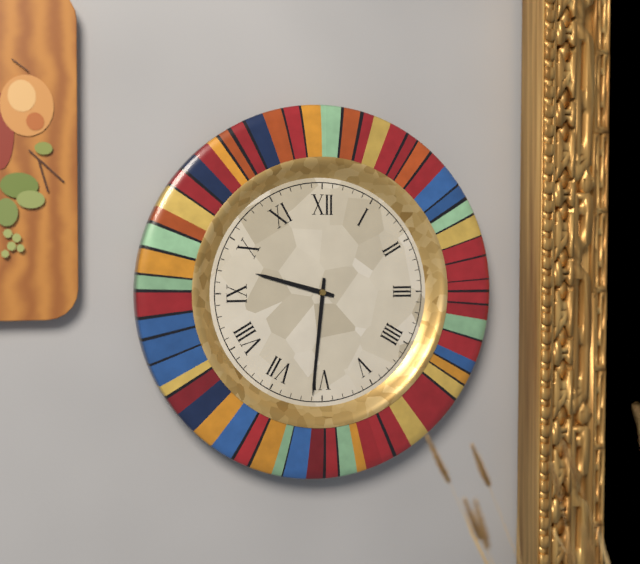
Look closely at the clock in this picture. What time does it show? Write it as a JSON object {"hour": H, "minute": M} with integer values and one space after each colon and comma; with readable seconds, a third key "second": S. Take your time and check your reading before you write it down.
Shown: {"hour": 9, "minute": 31}
